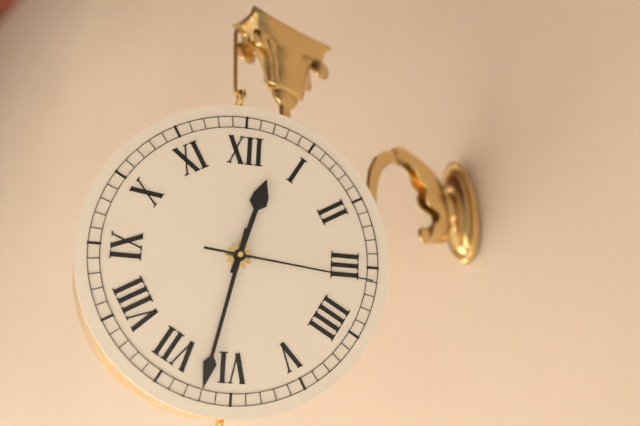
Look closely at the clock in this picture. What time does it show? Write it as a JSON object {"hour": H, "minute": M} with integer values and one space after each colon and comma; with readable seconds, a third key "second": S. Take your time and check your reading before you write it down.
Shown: {"hour": 12, "minute": 32, "second": 16}
